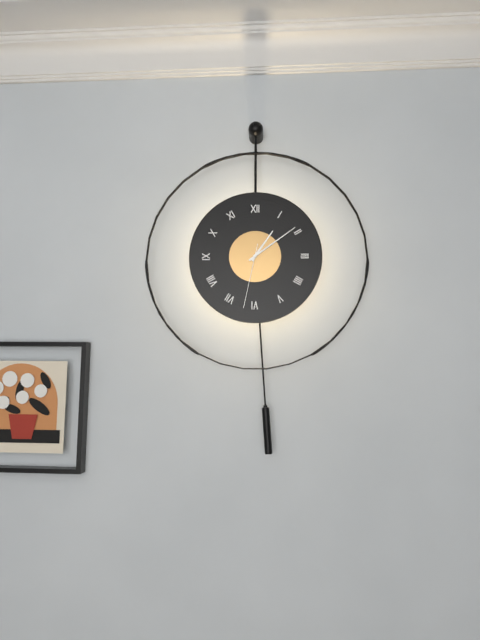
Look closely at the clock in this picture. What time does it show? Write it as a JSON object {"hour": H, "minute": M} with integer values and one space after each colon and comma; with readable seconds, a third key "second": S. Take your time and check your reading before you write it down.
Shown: {"hour": 1, "minute": 9, "second": 32}
